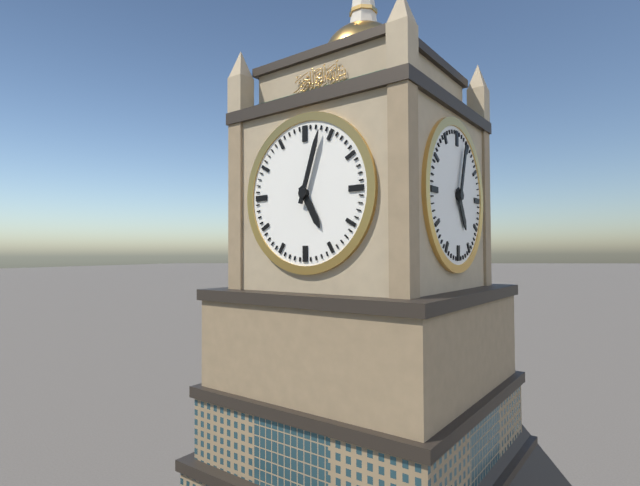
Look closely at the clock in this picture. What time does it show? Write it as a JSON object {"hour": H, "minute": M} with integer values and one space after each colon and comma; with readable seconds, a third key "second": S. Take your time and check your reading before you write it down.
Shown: {"hour": 5, "minute": 3}
